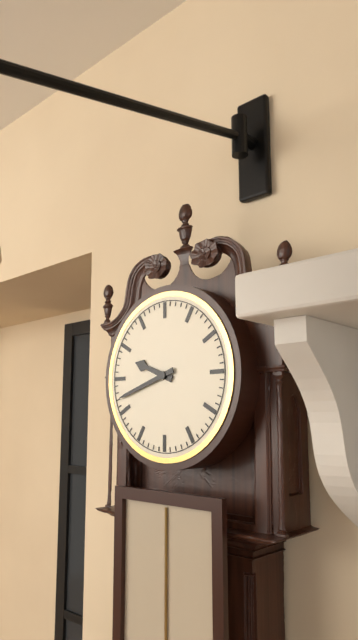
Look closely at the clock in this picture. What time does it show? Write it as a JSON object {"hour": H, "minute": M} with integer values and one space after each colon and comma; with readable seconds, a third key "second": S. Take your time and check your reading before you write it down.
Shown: {"hour": 9, "minute": 42}
